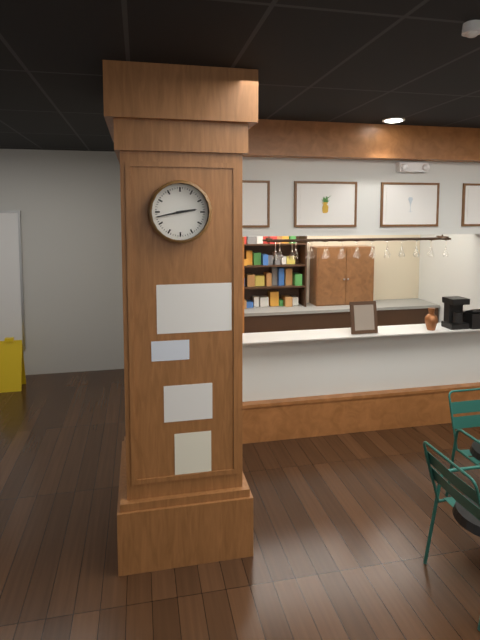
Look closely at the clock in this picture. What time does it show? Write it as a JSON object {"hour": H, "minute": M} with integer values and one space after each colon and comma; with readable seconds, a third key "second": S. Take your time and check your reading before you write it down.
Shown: {"hour": 2, "minute": 43}
